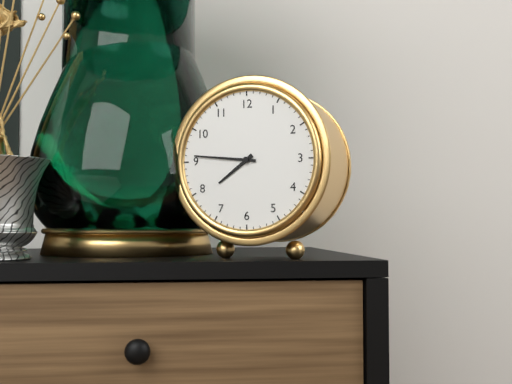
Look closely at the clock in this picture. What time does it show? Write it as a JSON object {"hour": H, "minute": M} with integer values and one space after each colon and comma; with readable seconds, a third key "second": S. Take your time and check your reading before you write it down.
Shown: {"hour": 7, "minute": 46}
